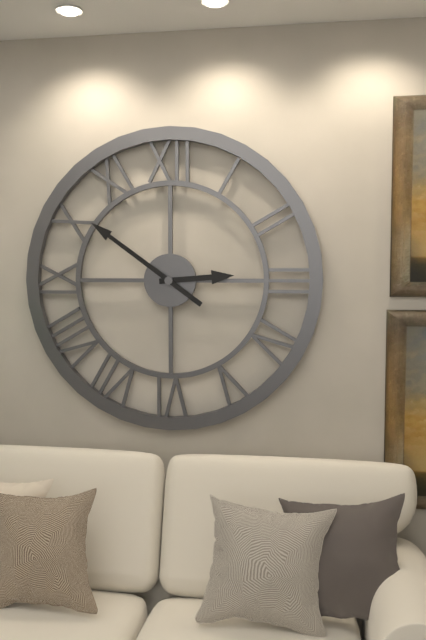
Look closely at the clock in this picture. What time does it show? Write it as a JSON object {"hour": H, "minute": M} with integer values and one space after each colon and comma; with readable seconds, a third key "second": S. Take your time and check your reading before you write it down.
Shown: {"hour": 2, "minute": 51}
